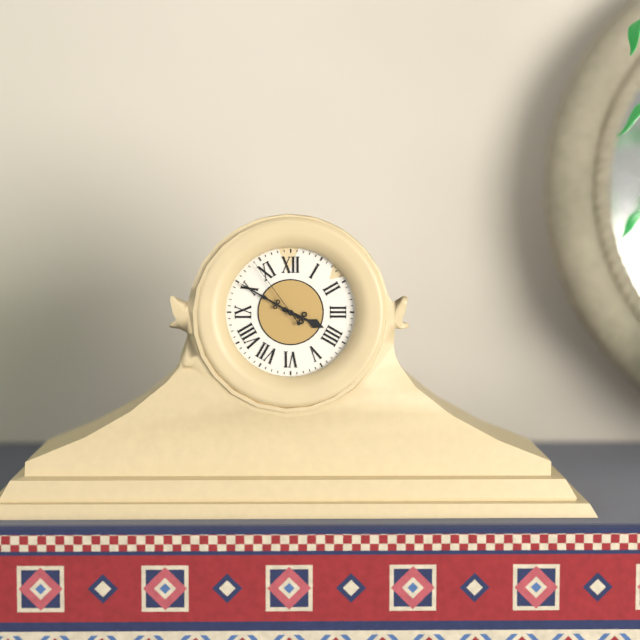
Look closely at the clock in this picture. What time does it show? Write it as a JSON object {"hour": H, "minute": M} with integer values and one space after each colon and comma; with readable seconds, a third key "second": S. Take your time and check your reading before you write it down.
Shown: {"hour": 3, "minute": 50, "second": 54}
